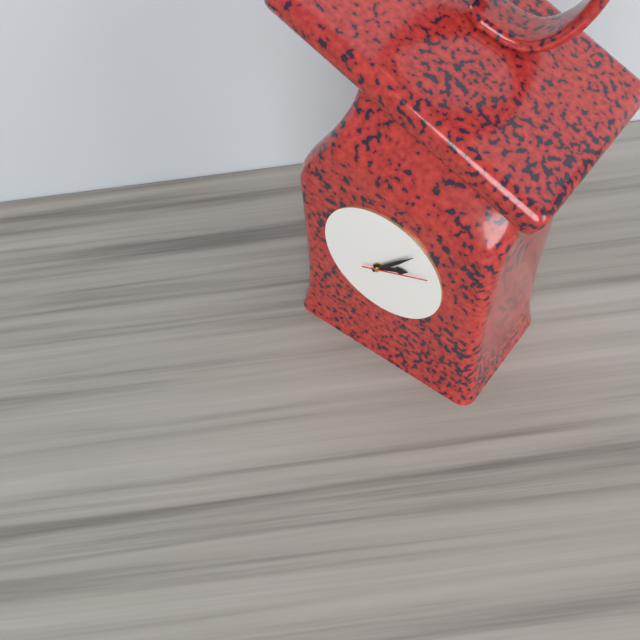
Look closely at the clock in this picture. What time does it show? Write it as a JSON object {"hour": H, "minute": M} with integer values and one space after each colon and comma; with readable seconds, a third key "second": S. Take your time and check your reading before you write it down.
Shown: {"hour": 2, "minute": 7, "second": 11}
